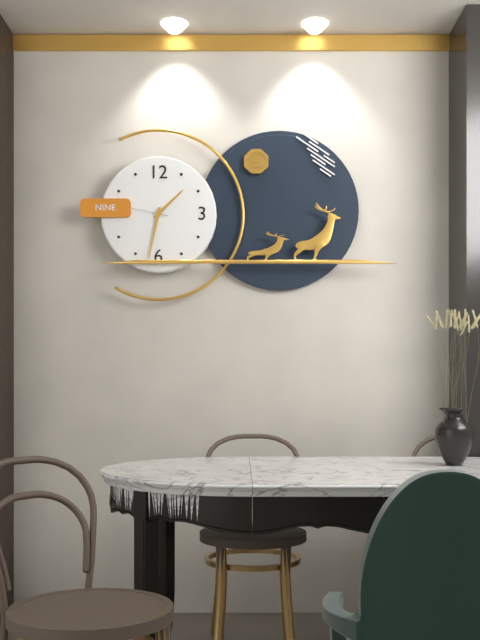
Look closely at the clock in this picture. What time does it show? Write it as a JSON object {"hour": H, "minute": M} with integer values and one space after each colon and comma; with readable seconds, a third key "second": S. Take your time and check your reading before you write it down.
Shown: {"hour": 1, "minute": 32}
